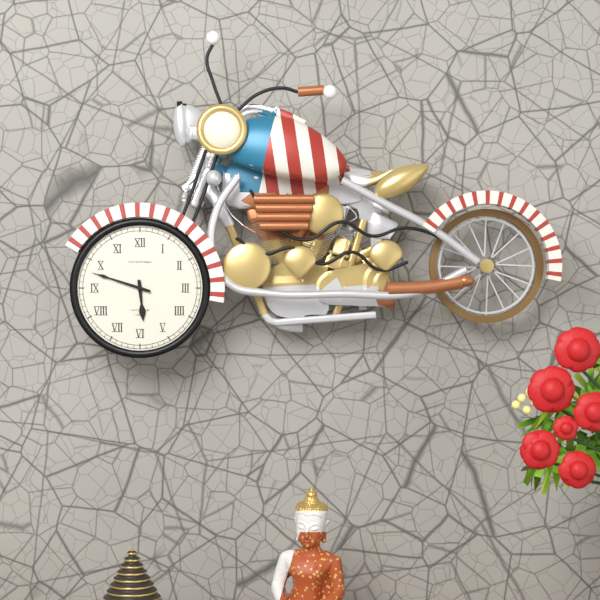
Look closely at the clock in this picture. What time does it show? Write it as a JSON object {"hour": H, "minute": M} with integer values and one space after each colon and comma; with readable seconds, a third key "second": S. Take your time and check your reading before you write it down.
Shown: {"hour": 5, "minute": 48}
